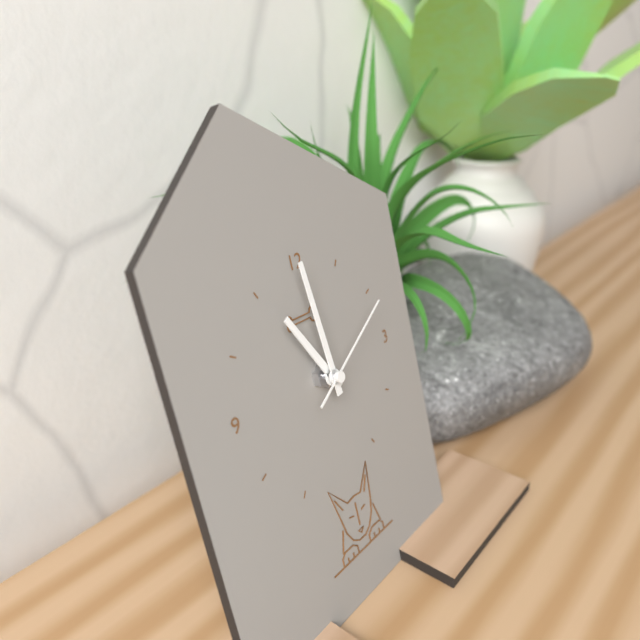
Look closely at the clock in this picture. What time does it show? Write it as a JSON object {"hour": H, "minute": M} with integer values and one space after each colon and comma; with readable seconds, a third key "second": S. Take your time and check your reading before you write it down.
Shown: {"hour": 10, "minute": 59, "second": 10}
